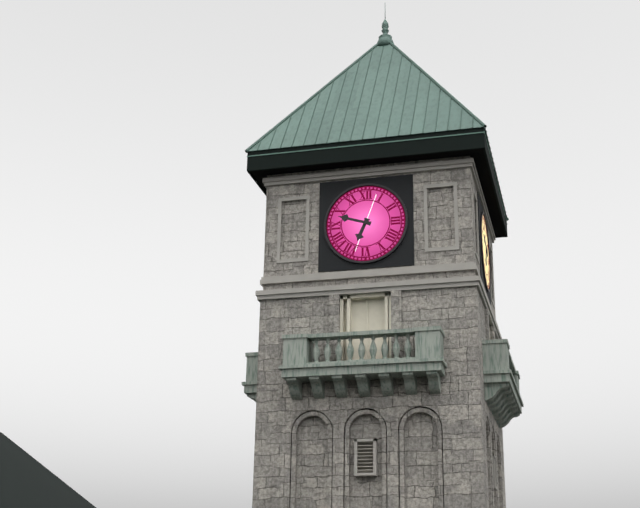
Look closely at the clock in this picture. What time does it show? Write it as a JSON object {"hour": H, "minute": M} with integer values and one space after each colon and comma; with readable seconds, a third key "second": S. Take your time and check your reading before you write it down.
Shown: {"hour": 6, "minute": 48}
